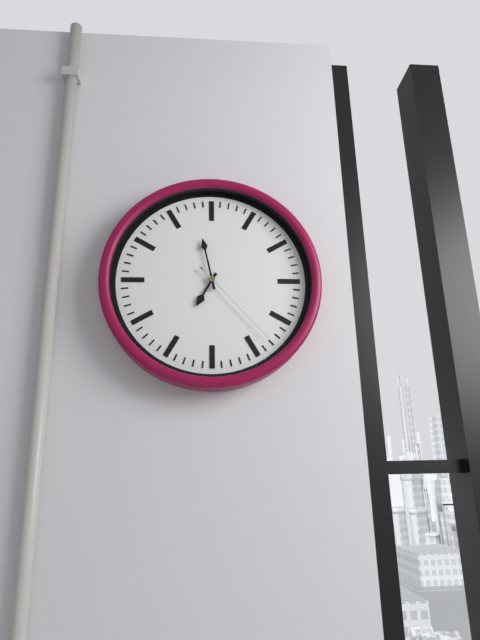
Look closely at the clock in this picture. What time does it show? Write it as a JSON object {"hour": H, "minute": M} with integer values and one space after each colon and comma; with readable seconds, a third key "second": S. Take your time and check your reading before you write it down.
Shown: {"hour": 6, "minute": 58, "second": 23}
